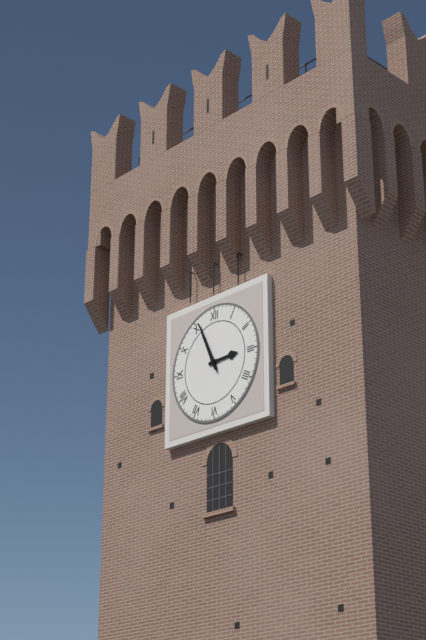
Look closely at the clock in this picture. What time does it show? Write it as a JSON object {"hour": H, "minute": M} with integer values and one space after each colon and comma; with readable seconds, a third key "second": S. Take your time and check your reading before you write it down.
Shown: {"hour": 2, "minute": 56}
